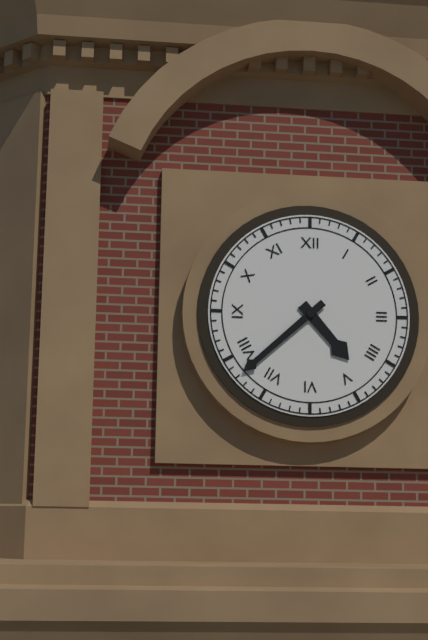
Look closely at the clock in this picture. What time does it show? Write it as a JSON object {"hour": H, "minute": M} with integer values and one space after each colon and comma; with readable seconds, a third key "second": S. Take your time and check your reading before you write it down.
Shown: {"hour": 4, "minute": 38}
